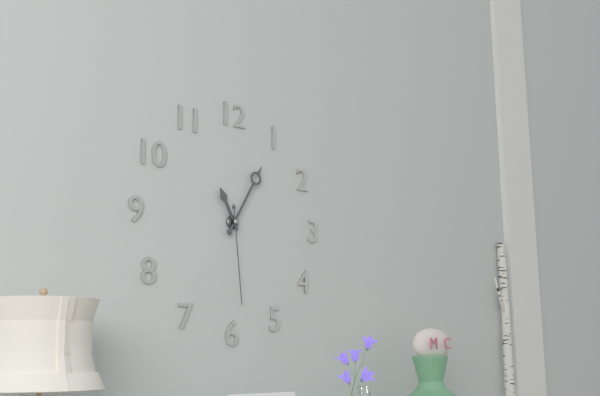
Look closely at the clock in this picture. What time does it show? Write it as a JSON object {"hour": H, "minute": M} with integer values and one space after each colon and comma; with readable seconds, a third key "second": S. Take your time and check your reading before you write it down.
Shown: {"hour": 11, "minute": 5, "second": 29}
